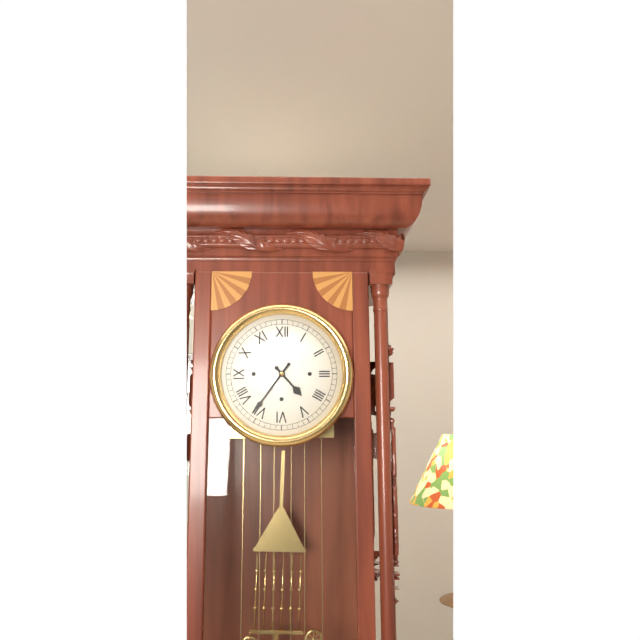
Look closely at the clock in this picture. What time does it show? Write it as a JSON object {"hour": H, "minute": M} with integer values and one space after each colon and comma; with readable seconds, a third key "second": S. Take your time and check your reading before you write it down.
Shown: {"hour": 4, "minute": 36}
